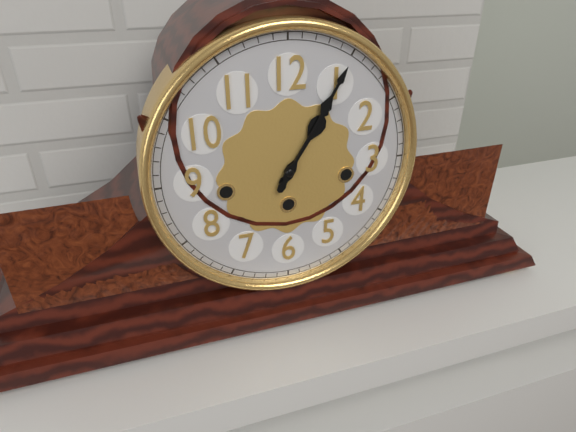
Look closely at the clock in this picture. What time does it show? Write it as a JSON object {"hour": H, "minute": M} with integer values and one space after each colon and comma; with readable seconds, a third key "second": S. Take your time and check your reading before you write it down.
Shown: {"hour": 1, "minute": 5}
